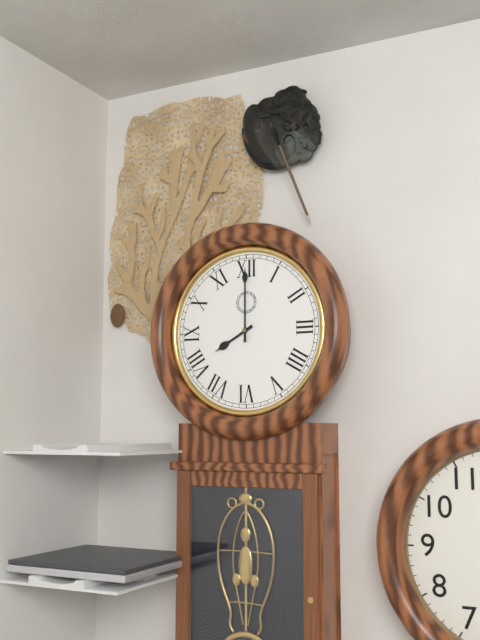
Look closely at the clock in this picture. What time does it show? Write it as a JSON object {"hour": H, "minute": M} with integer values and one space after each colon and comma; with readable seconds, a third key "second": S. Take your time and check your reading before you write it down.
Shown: {"hour": 8, "minute": 0}
